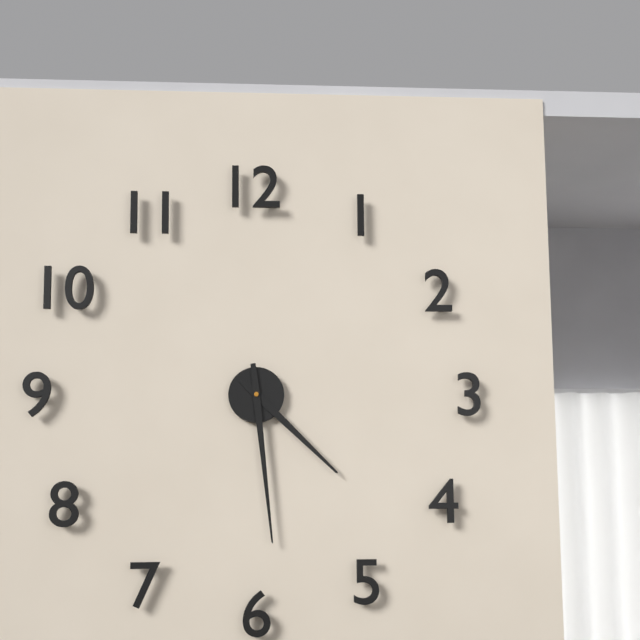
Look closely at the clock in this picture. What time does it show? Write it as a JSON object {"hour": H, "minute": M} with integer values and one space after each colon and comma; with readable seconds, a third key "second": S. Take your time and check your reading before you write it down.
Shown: {"hour": 4, "minute": 29}
